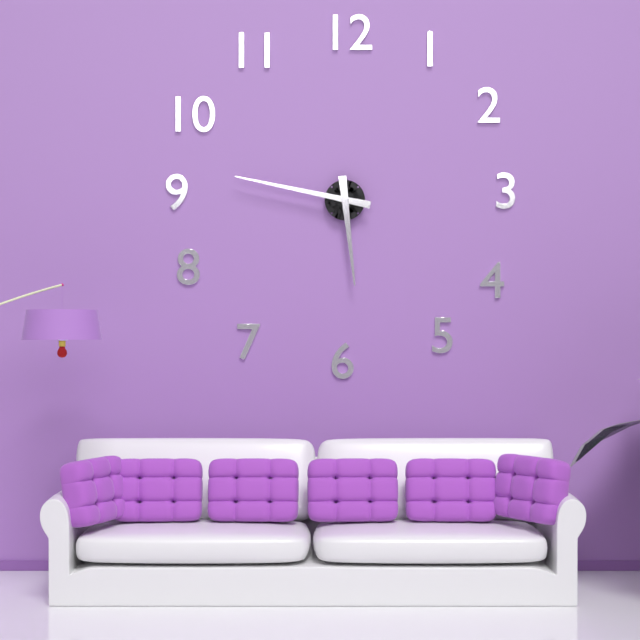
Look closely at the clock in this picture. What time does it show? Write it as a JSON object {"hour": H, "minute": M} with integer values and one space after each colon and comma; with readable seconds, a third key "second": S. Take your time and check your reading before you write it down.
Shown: {"hour": 5, "minute": 47}
